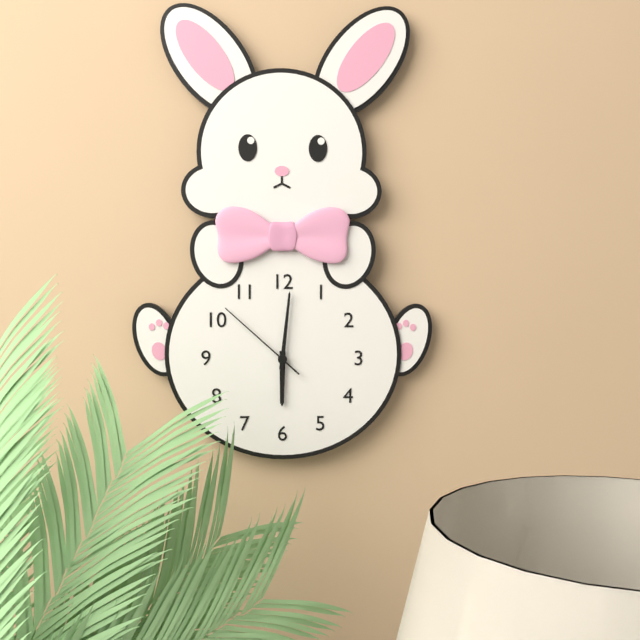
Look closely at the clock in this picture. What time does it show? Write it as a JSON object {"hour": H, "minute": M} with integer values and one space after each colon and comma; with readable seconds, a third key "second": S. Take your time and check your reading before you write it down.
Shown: {"hour": 6, "minute": 1, "second": 52}
